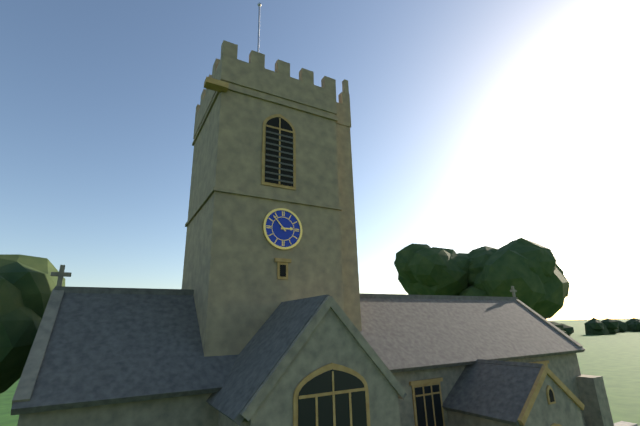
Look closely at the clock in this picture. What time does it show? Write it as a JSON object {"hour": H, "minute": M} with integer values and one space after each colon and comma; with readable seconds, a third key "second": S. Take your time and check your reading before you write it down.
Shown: {"hour": 2, "minute": 53}
